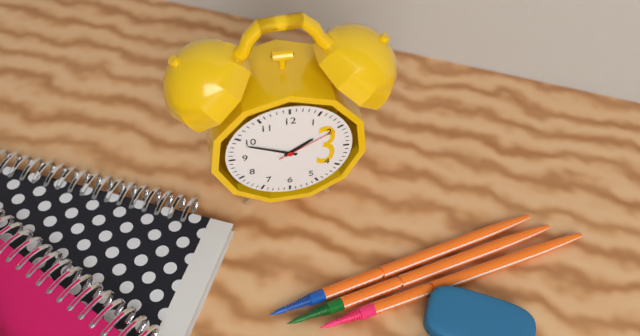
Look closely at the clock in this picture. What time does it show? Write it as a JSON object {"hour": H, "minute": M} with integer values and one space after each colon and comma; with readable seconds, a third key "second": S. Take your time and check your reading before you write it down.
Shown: {"hour": 1, "minute": 49, "second": 10}
